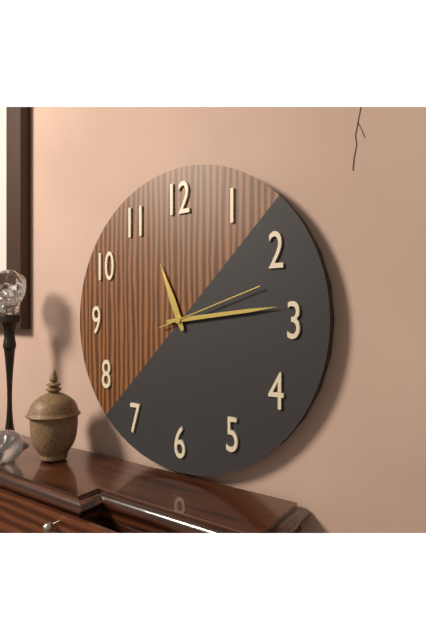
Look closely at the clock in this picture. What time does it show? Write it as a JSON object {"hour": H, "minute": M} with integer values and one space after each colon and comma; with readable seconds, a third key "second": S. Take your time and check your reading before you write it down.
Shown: {"hour": 11, "minute": 14, "second": 12}
